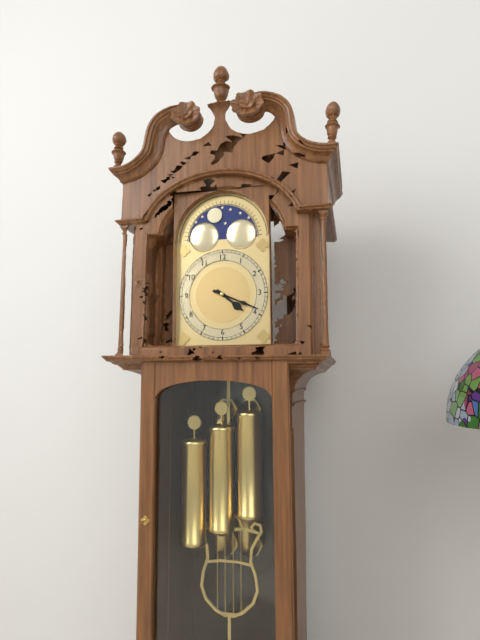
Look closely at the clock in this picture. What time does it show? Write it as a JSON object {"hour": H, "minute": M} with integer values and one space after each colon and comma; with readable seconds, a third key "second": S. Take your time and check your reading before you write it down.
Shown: {"hour": 4, "minute": 19}
